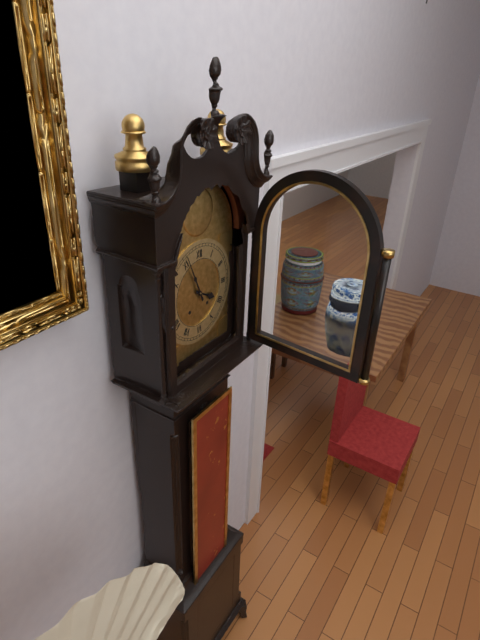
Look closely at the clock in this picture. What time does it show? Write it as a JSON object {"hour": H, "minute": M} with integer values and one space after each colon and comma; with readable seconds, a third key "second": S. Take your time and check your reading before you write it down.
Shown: {"hour": 3, "minute": 56}
